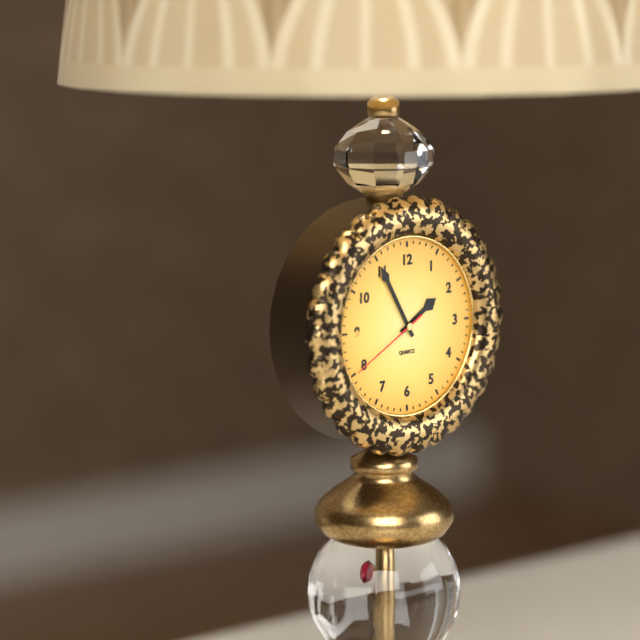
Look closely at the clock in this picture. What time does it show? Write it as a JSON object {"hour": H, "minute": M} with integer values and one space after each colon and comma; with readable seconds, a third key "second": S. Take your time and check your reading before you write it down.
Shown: {"hour": 1, "minute": 55, "second": 40}
